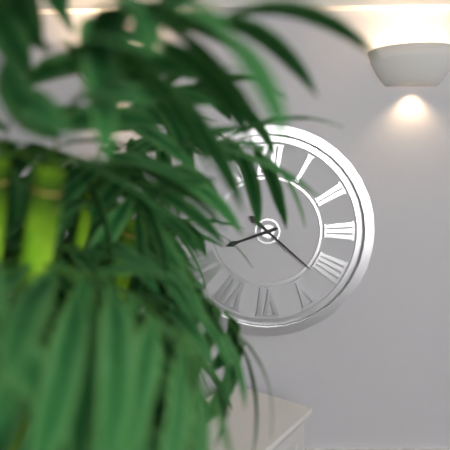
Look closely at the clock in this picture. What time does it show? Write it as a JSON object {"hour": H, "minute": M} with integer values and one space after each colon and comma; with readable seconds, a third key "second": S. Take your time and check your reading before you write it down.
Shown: {"hour": 8, "minute": 22}
